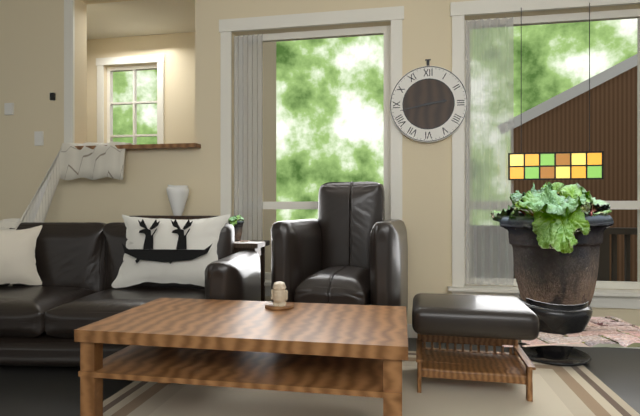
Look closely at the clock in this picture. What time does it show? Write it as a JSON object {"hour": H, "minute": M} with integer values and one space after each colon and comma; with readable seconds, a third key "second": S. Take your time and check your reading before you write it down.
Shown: {"hour": 2, "minute": 43}
